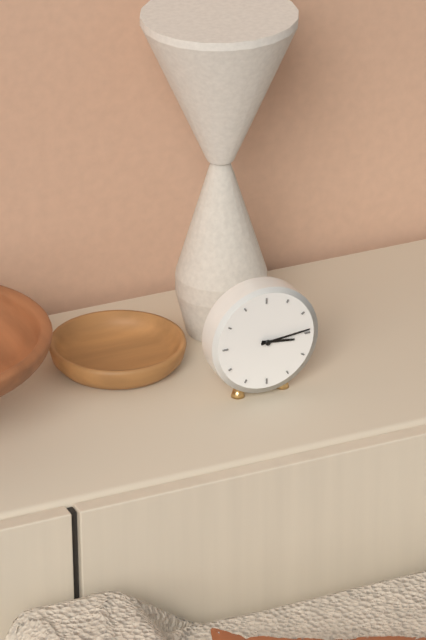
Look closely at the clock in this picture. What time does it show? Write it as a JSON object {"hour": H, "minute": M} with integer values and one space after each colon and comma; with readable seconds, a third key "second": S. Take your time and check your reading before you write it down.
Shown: {"hour": 3, "minute": 14}
